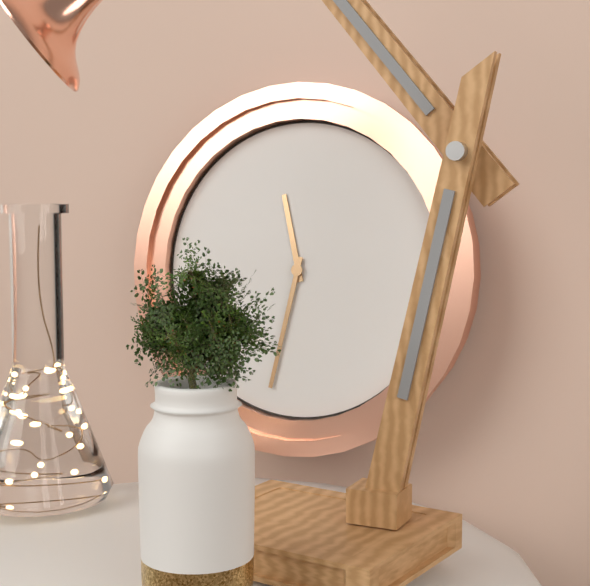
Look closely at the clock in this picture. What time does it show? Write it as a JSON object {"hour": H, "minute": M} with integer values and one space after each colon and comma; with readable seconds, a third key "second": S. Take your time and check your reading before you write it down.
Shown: {"hour": 11, "minute": 32}
